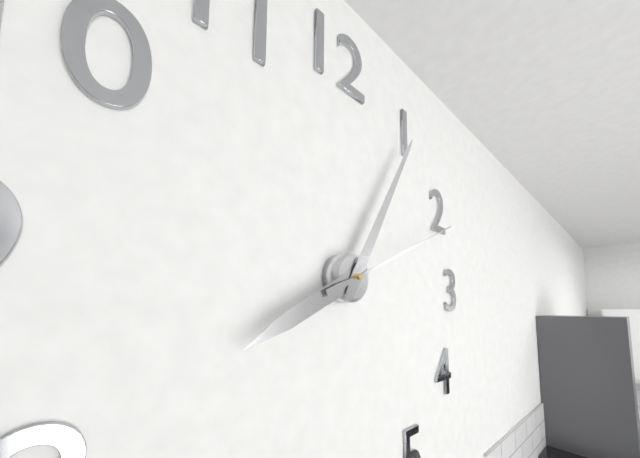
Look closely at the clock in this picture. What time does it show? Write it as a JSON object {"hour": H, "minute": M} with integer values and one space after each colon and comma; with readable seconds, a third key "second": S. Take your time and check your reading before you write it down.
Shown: {"hour": 8, "minute": 5, "second": 11}
